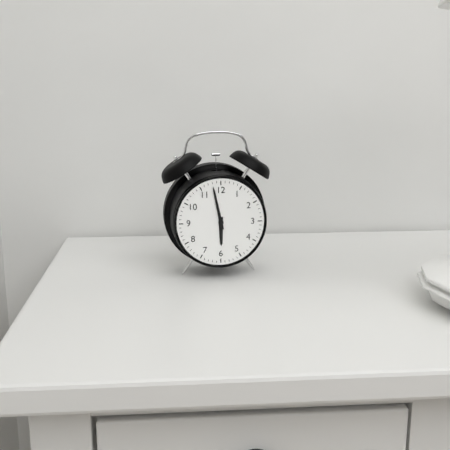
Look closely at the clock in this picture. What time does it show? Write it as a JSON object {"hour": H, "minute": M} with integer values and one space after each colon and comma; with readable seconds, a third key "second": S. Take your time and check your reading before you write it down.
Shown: {"hour": 5, "minute": 58}
